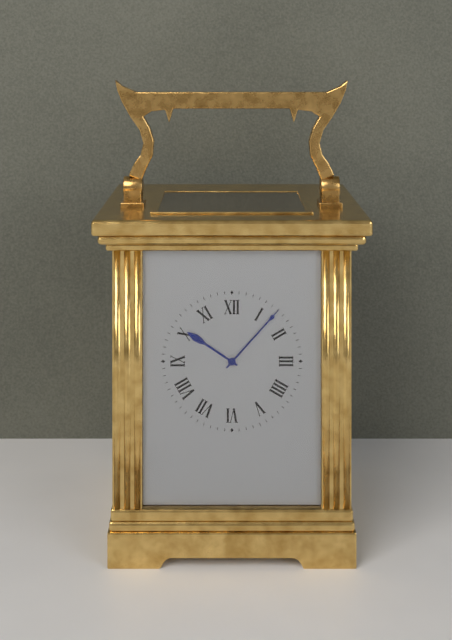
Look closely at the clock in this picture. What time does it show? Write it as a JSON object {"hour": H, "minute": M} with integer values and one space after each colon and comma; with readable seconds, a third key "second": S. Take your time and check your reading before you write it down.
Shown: {"hour": 10, "minute": 7}
